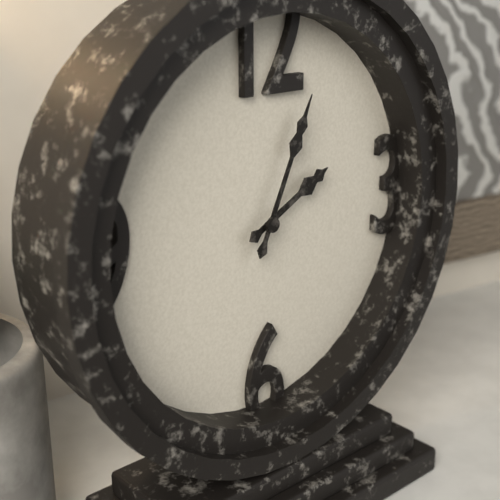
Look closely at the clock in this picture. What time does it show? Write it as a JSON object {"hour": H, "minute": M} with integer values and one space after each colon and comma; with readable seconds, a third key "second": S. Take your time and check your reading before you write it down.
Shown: {"hour": 2, "minute": 4}
